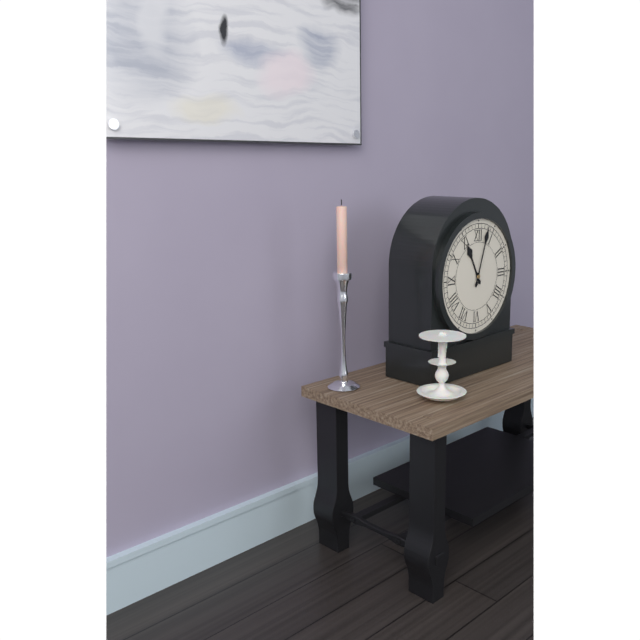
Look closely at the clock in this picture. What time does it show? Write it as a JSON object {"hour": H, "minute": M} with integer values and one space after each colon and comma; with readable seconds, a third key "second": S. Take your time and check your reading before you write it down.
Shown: {"hour": 11, "minute": 3}
